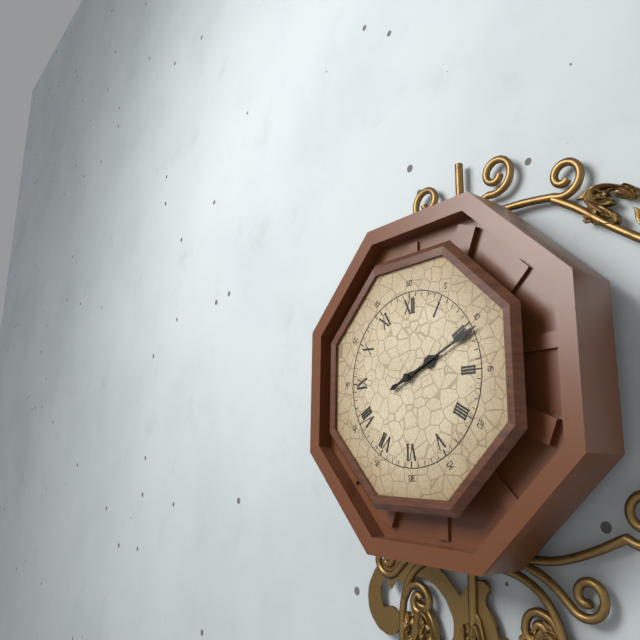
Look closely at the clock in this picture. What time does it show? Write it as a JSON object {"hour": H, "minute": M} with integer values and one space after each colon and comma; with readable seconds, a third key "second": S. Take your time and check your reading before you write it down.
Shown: {"hour": 2, "minute": 11}
